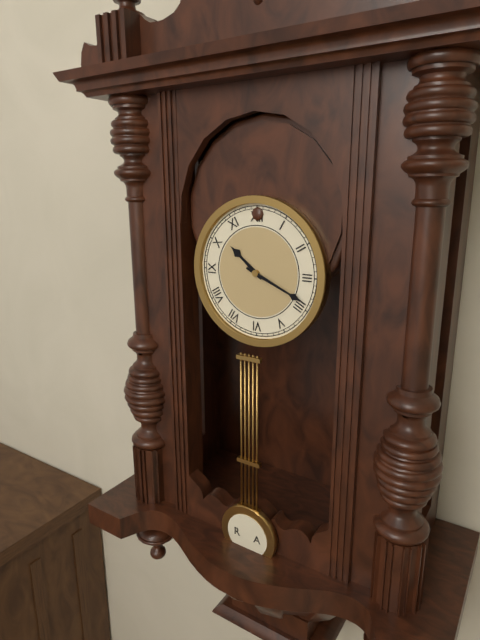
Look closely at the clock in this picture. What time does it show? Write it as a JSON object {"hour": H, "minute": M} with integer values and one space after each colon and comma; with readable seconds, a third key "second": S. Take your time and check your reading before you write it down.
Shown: {"hour": 10, "minute": 19}
